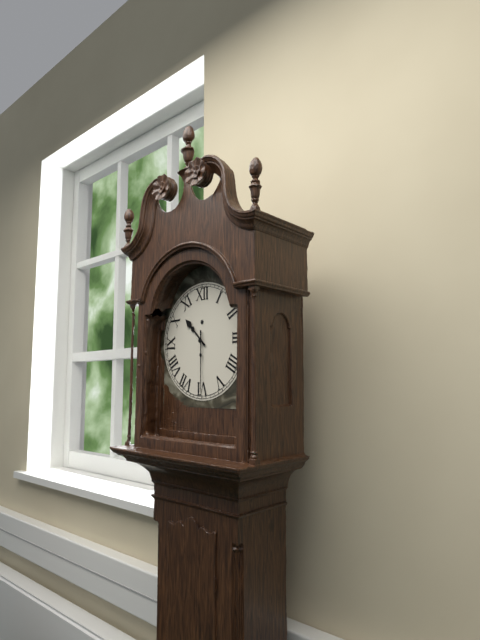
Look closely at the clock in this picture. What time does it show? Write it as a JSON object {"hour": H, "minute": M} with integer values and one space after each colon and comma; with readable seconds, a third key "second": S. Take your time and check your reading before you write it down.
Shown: {"hour": 10, "minute": 30}
